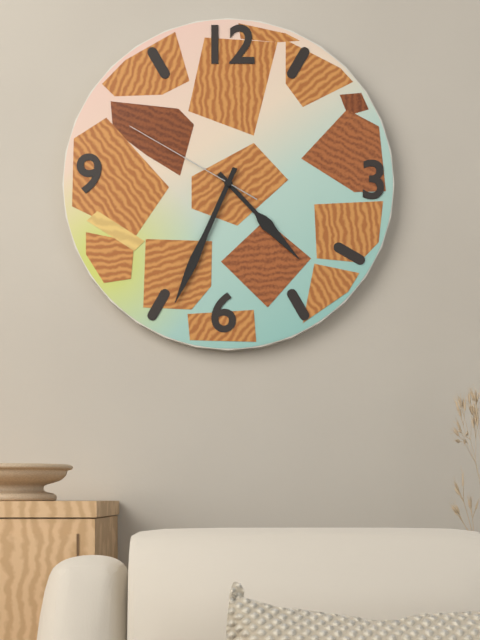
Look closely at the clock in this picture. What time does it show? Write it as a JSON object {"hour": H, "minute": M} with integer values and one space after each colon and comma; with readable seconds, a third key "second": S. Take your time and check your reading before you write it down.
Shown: {"hour": 4, "minute": 34, "second": 50}
